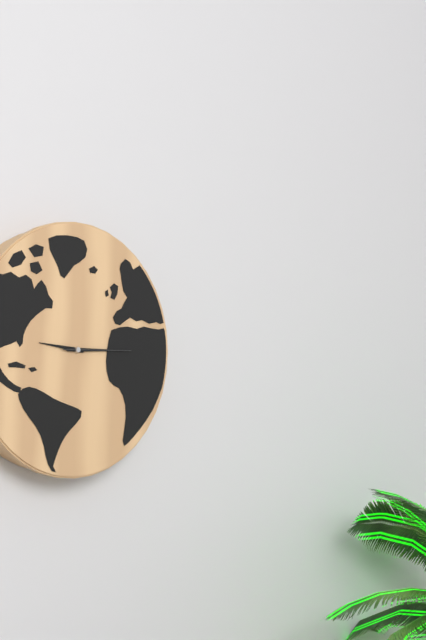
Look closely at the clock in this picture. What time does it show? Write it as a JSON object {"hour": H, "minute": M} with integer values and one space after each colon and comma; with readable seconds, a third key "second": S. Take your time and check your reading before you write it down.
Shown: {"hour": 9, "minute": 15, "second": 15}
